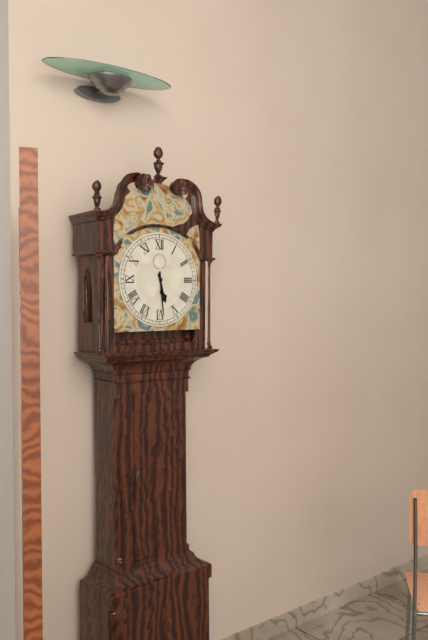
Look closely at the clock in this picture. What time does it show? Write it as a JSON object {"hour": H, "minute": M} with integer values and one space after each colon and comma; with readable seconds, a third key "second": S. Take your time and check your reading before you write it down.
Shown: {"hour": 5, "minute": 29}
